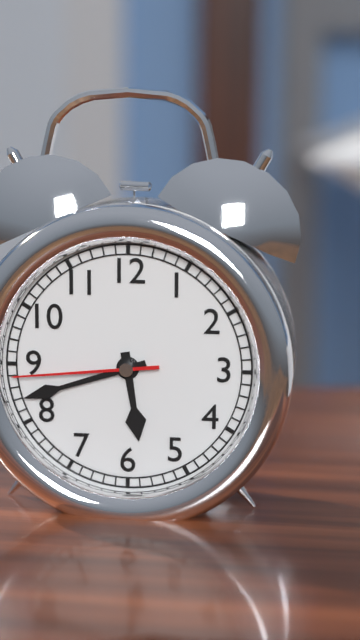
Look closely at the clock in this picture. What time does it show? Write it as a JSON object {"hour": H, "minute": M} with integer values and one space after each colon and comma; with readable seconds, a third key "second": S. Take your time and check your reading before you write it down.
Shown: {"hour": 5, "minute": 42, "second": 44}
